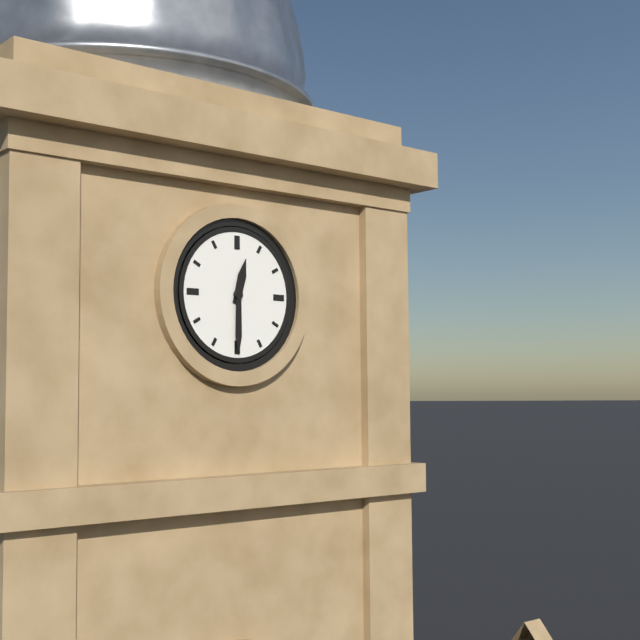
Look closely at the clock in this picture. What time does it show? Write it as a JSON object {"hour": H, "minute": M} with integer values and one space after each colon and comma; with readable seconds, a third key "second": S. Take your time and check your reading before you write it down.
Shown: {"hour": 12, "minute": 30}
